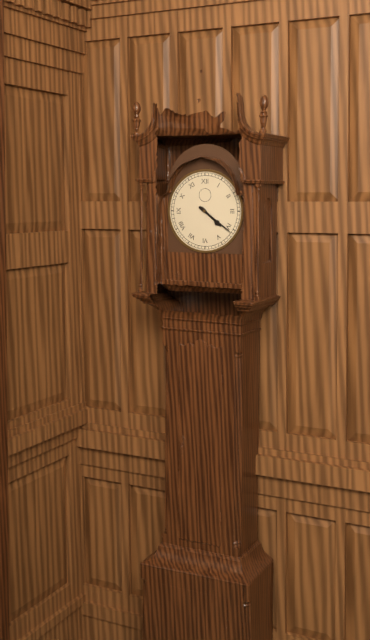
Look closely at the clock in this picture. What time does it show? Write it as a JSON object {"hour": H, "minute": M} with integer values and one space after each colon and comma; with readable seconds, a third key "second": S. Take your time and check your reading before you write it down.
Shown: {"hour": 4, "minute": 21}
